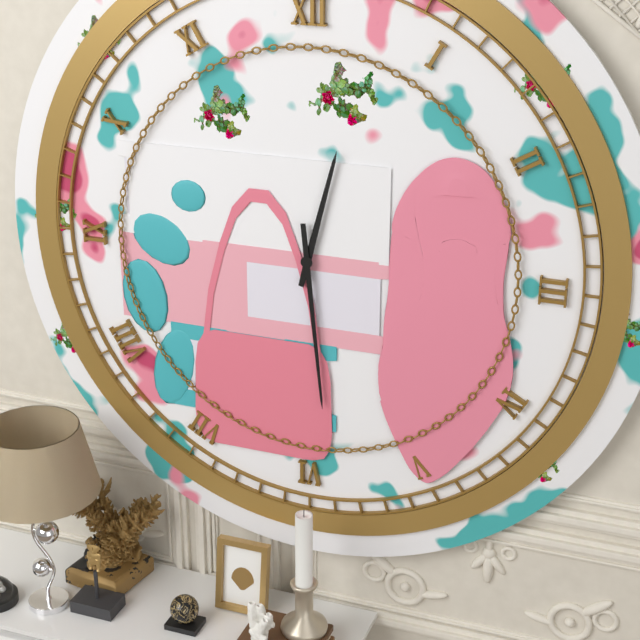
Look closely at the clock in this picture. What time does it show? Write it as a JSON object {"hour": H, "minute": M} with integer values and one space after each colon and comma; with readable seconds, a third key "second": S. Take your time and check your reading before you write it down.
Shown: {"hour": 12, "minute": 29}
